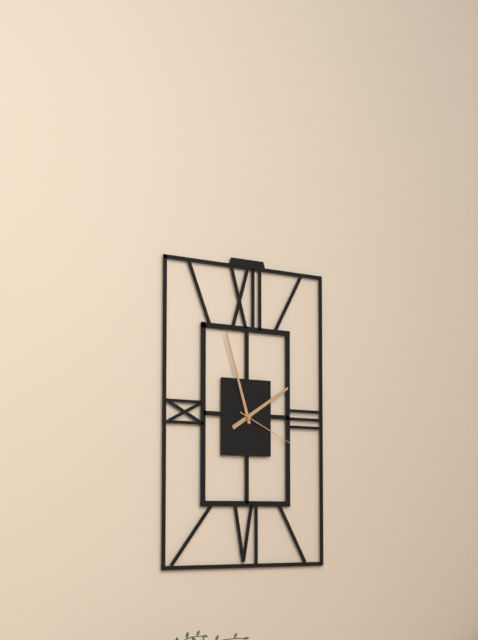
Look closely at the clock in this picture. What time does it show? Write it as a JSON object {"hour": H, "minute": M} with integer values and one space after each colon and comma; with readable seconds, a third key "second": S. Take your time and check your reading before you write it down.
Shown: {"hour": 1, "minute": 57, "second": 19}
